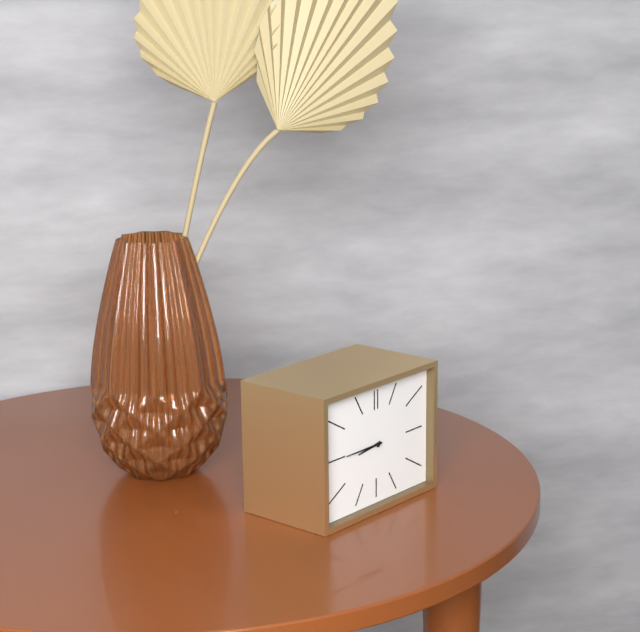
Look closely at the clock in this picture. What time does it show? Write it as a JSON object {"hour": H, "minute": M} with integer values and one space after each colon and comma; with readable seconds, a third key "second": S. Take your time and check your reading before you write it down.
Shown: {"hour": 8, "minute": 45}
